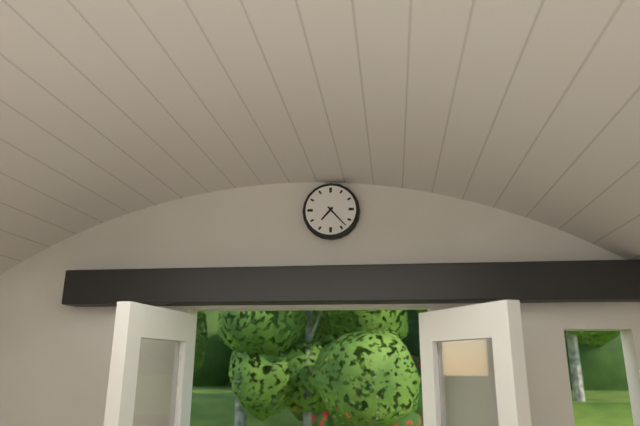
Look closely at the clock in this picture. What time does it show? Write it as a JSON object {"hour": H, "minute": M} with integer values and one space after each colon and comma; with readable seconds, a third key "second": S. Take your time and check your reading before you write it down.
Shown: {"hour": 7, "minute": 23}
